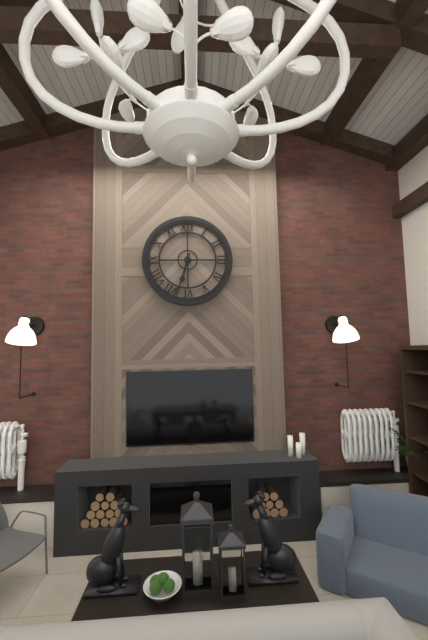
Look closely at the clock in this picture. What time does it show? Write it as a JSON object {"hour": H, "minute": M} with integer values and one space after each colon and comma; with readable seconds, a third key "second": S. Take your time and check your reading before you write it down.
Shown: {"hour": 6, "minute": 33}
